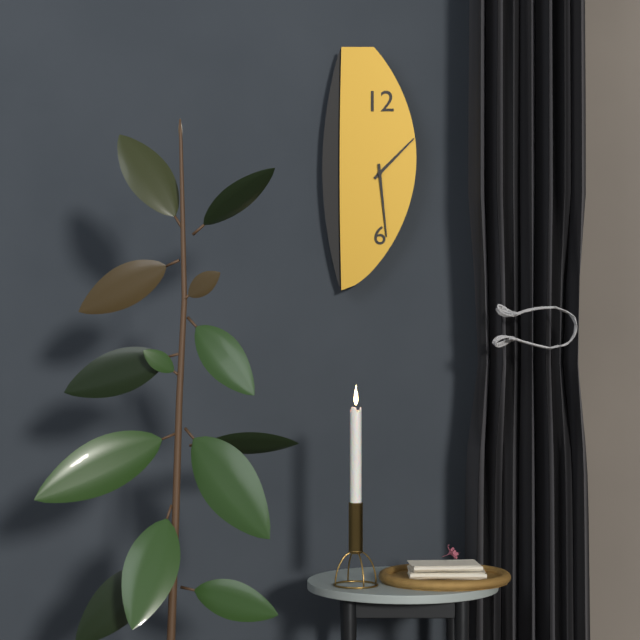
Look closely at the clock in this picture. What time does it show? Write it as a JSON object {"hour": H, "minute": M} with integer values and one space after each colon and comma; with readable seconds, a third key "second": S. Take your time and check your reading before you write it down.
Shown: {"hour": 1, "minute": 29}
